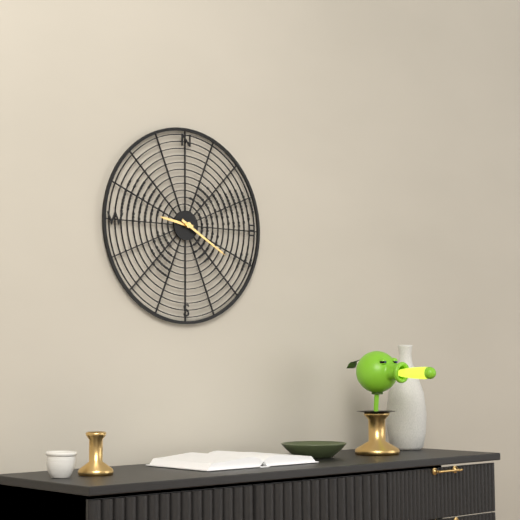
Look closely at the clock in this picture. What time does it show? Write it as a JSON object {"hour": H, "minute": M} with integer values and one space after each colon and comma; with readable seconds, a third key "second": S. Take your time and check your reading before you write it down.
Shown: {"hour": 9, "minute": 20}
